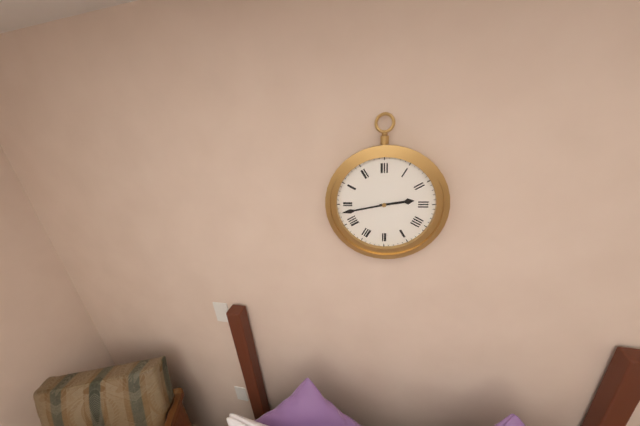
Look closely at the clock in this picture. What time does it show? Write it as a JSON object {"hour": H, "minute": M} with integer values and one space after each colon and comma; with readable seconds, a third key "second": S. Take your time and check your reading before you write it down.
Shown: {"hour": 2, "minute": 43}
